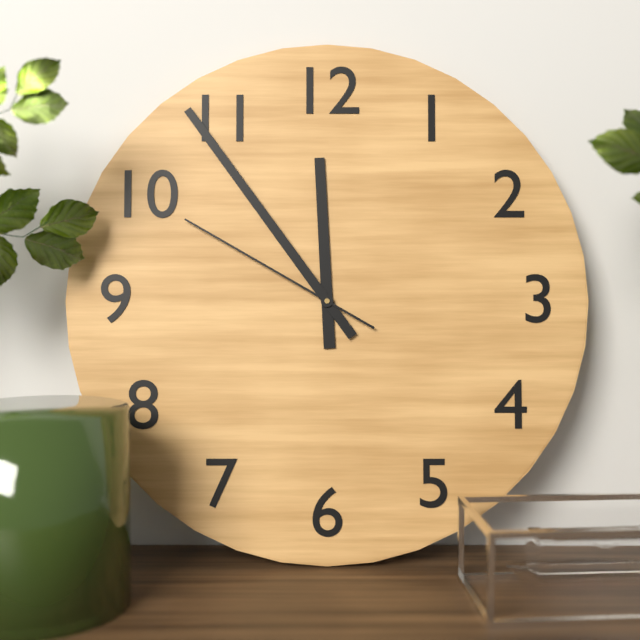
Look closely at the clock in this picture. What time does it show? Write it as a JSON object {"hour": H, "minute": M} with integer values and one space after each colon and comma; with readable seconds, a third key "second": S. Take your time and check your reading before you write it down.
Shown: {"hour": 11, "minute": 54, "second": 50}
